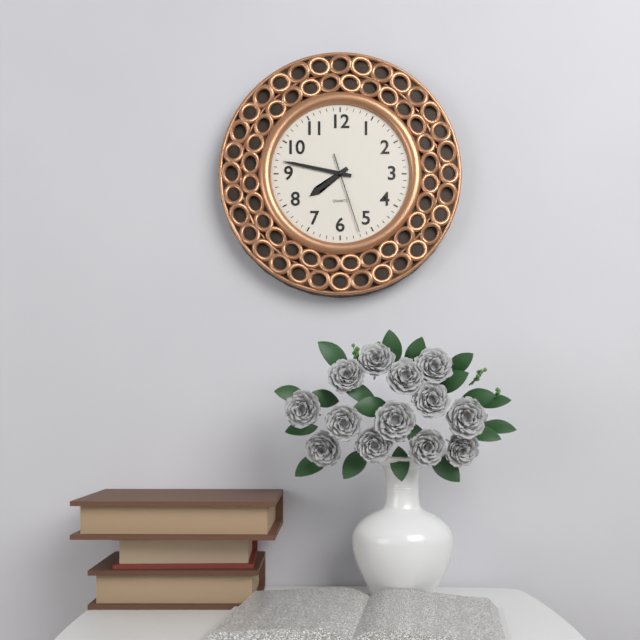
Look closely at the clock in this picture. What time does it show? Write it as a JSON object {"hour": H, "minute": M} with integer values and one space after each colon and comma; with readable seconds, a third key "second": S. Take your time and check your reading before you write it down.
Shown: {"hour": 7, "minute": 47, "second": 27}
